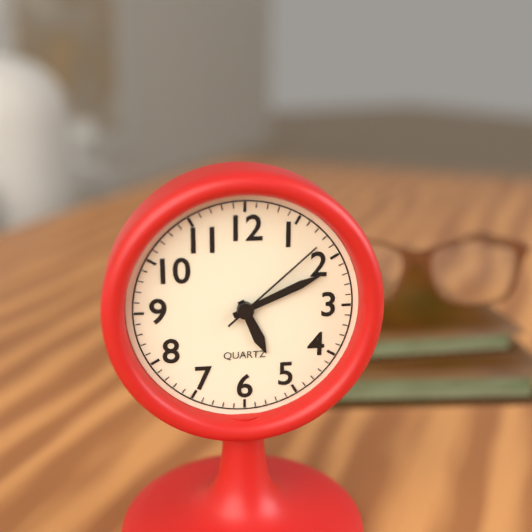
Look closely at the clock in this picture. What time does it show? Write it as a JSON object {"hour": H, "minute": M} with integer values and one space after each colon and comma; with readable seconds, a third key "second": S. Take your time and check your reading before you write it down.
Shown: {"hour": 5, "minute": 11, "second": 8}
